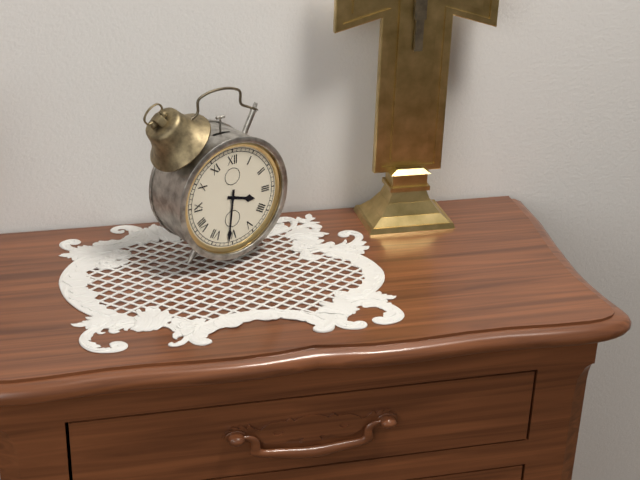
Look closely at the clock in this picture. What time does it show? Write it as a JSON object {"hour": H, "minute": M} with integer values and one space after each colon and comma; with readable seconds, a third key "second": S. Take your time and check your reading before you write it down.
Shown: {"hour": 3, "minute": 31}
